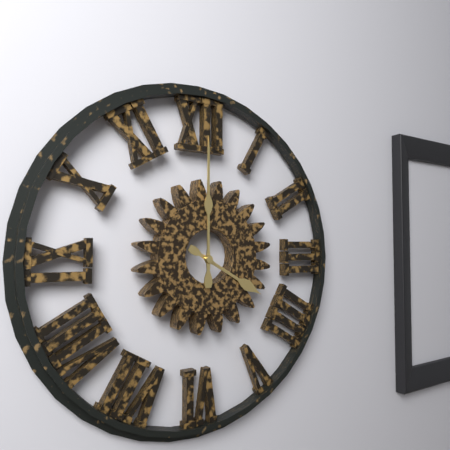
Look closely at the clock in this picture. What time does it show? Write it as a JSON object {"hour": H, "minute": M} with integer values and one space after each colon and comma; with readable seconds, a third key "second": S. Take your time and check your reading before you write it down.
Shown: {"hour": 4, "minute": 0}
